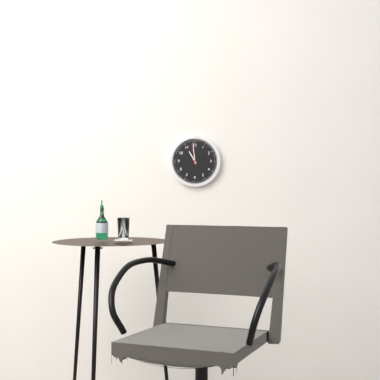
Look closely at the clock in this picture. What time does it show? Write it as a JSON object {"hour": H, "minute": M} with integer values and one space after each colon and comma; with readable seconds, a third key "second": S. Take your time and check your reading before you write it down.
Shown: {"hour": 10, "minute": 59}
